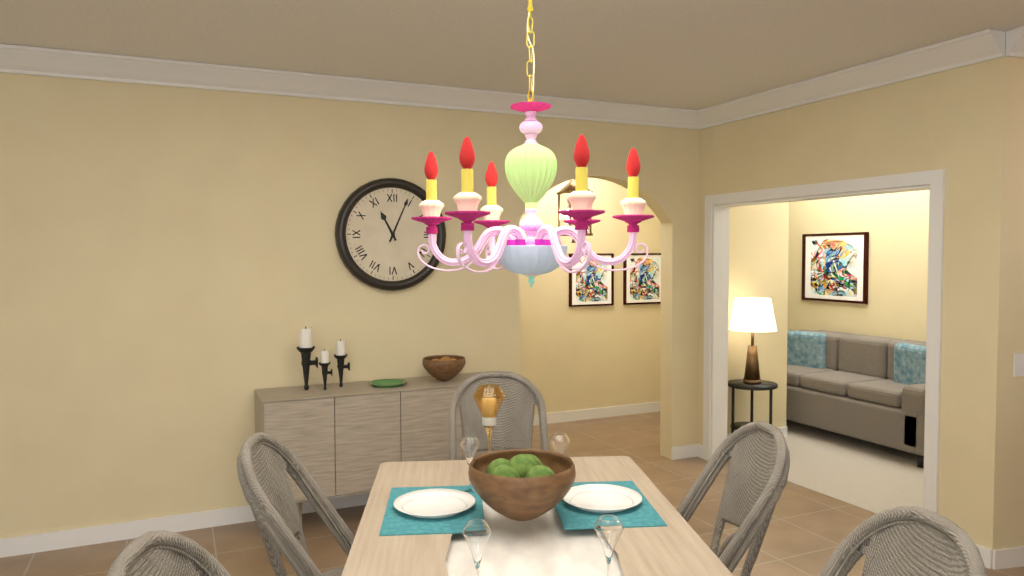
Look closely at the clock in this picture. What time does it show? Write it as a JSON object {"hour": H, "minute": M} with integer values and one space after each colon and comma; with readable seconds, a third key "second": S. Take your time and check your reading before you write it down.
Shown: {"hour": 11, "minute": 4}
